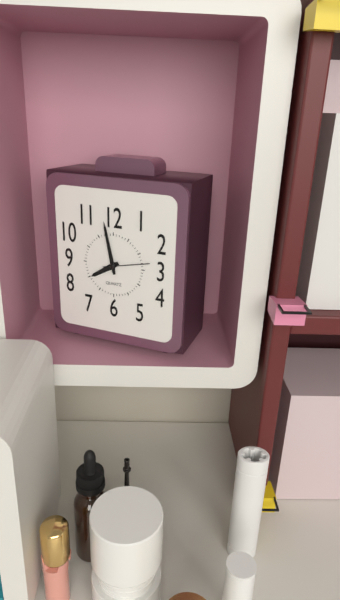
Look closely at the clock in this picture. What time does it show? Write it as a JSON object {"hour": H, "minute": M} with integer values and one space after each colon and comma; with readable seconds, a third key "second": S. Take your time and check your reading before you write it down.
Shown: {"hour": 7, "minute": 58}
